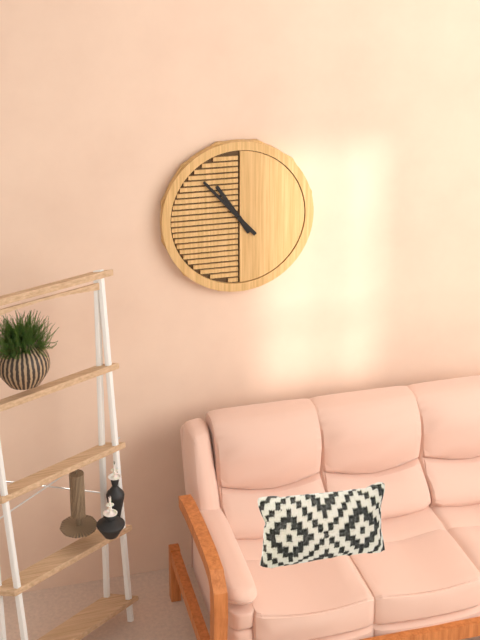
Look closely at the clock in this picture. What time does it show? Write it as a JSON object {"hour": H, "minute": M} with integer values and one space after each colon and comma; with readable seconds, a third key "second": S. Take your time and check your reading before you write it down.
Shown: {"hour": 10, "minute": 53}
